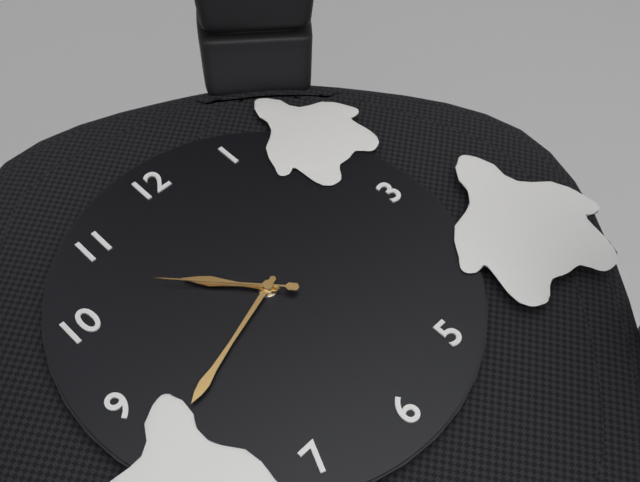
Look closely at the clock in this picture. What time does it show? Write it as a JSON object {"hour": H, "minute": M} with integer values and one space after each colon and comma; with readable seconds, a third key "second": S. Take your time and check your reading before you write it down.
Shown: {"hour": 10, "minute": 42, "second": 53}
